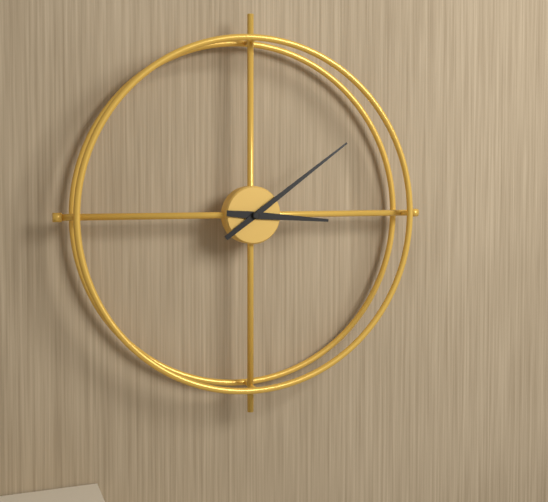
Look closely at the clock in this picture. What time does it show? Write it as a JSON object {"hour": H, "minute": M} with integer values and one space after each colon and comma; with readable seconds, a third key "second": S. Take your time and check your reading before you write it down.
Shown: {"hour": 3, "minute": 9}
